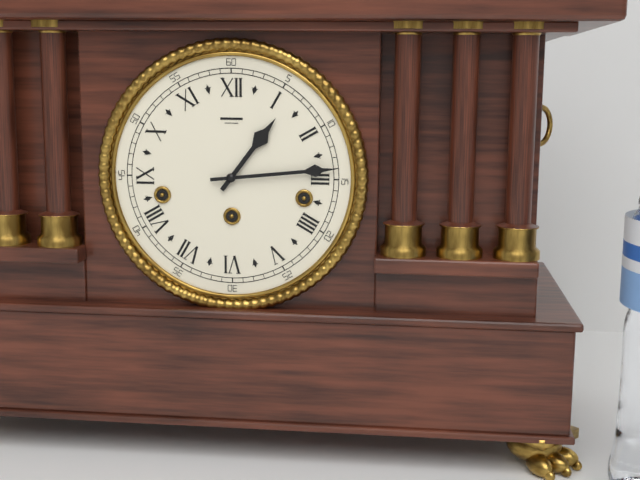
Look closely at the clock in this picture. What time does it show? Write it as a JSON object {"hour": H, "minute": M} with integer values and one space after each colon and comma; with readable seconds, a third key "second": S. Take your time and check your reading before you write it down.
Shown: {"hour": 1, "minute": 14}
